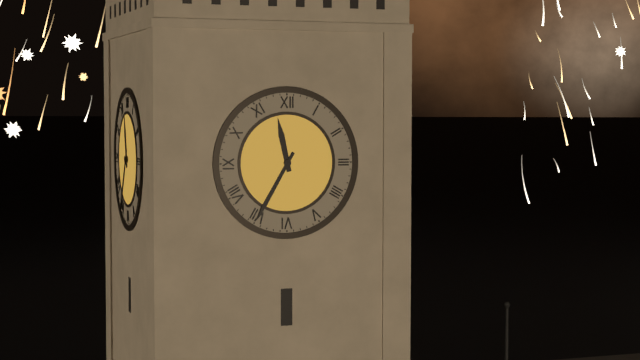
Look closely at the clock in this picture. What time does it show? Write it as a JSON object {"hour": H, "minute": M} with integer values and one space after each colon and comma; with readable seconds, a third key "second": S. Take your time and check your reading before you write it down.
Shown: {"hour": 11, "minute": 35}
